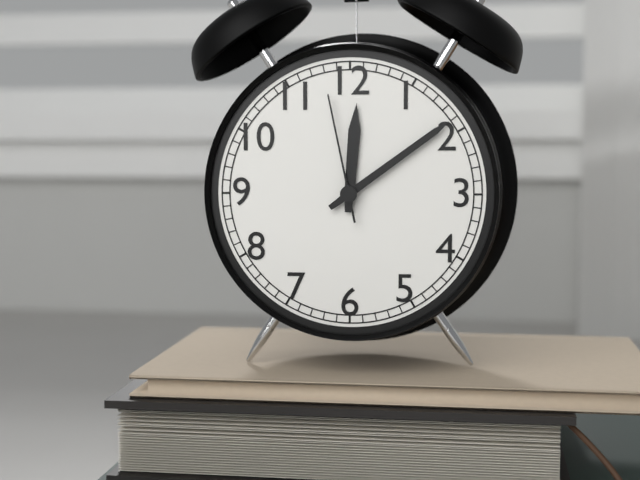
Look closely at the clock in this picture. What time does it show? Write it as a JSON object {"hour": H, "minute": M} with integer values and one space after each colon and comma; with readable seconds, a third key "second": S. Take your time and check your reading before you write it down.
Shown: {"hour": 12, "minute": 9, "second": 58}
